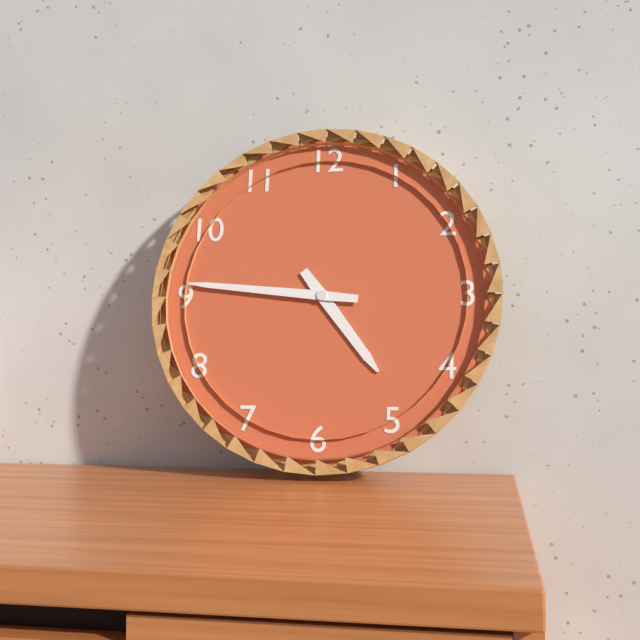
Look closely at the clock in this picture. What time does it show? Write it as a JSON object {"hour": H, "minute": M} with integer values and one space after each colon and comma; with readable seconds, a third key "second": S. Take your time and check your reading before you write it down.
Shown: {"hour": 4, "minute": 46}
